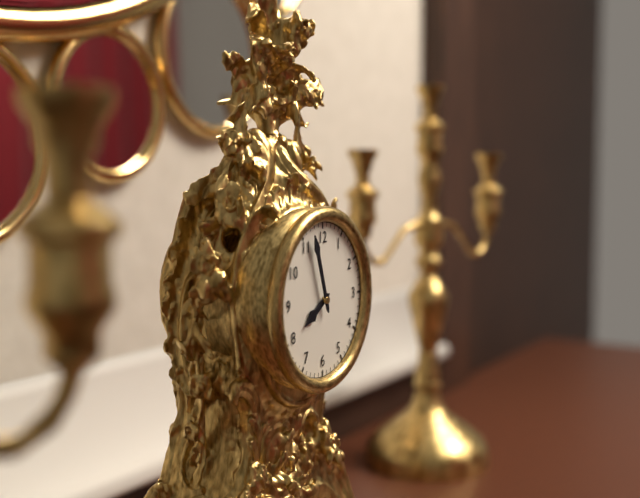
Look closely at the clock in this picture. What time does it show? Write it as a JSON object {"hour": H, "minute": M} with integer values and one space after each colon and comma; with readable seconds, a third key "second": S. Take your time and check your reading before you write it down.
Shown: {"hour": 7, "minute": 57}
